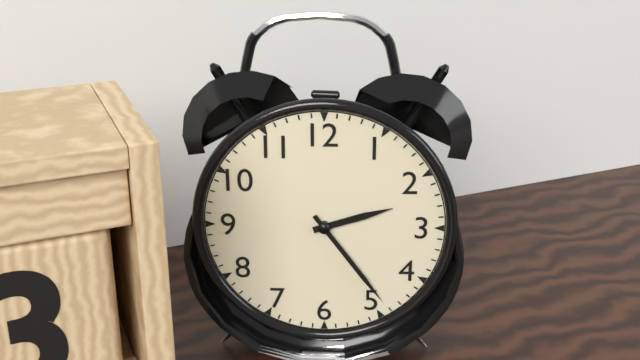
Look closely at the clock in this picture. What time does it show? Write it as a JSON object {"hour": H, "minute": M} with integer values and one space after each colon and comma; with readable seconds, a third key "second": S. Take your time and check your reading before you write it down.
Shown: {"hour": 2, "minute": 24}
